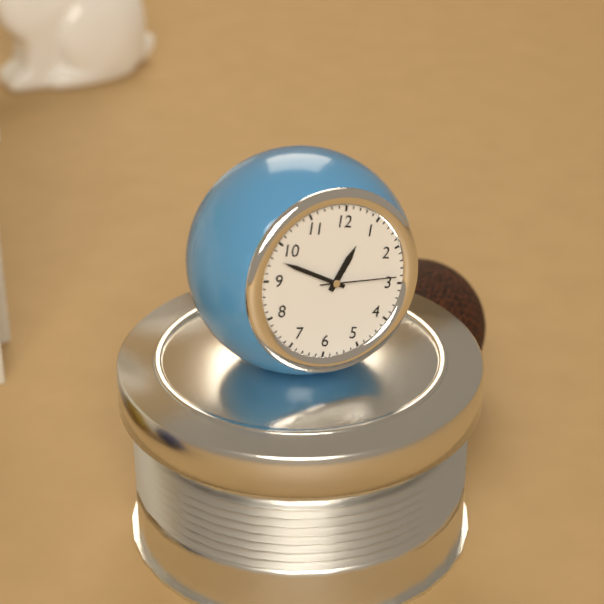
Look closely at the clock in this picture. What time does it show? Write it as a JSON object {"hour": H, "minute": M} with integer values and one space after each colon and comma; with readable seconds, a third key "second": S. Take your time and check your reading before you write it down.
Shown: {"hour": 12, "minute": 48, "second": 14}
